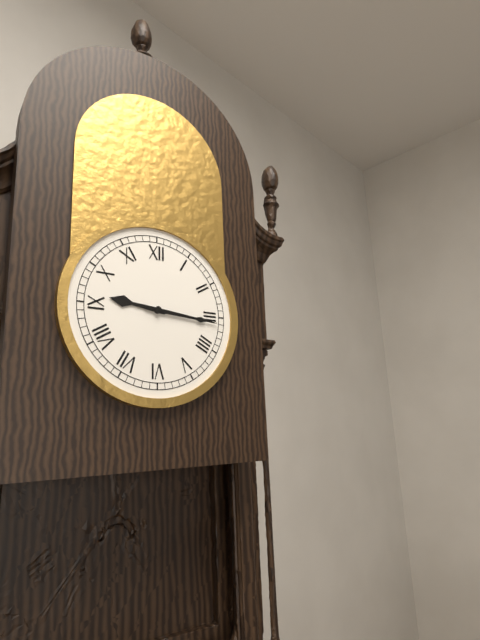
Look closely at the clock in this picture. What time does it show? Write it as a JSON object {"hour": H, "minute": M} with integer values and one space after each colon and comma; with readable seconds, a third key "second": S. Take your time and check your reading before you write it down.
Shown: {"hour": 9, "minute": 16}
